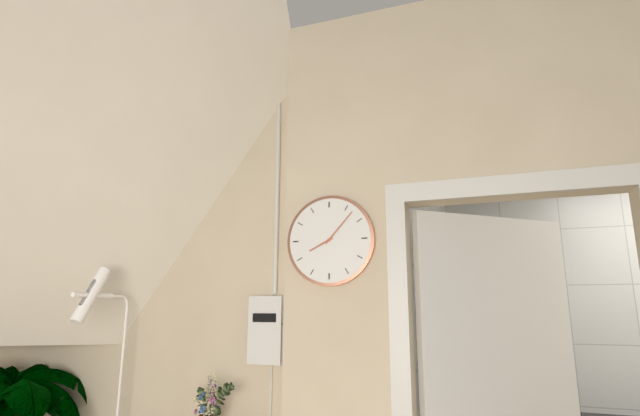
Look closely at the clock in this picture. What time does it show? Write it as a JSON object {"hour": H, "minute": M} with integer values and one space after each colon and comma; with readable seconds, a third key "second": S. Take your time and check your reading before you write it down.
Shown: {"hour": 8, "minute": 7}
